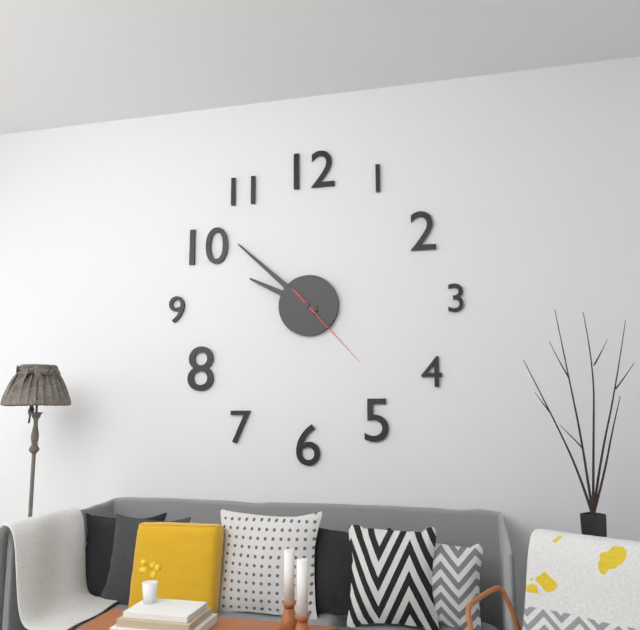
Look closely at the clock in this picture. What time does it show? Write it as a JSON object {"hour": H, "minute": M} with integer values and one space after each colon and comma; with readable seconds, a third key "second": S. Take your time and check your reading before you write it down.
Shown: {"hour": 9, "minute": 52, "second": 23}
